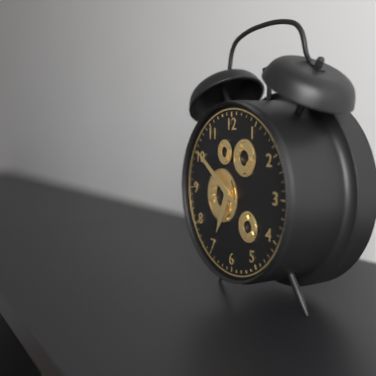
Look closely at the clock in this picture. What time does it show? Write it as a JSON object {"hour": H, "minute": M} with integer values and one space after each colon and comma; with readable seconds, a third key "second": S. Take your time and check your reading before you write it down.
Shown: {"hour": 6, "minute": 51}
